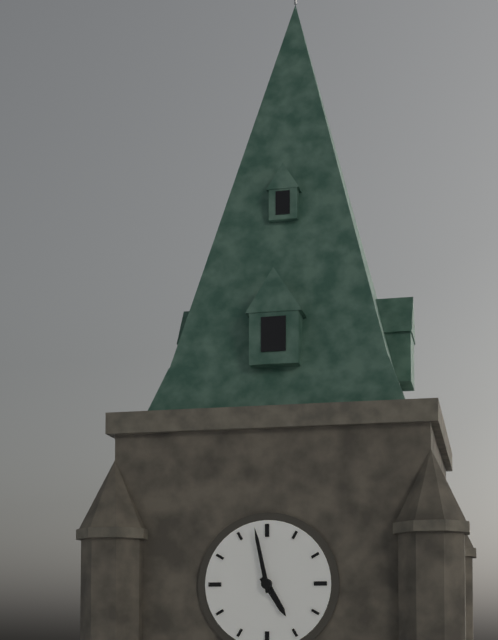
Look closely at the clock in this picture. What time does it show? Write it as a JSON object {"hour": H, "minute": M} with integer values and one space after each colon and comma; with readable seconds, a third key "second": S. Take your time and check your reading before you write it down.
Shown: {"hour": 4, "minute": 58}
